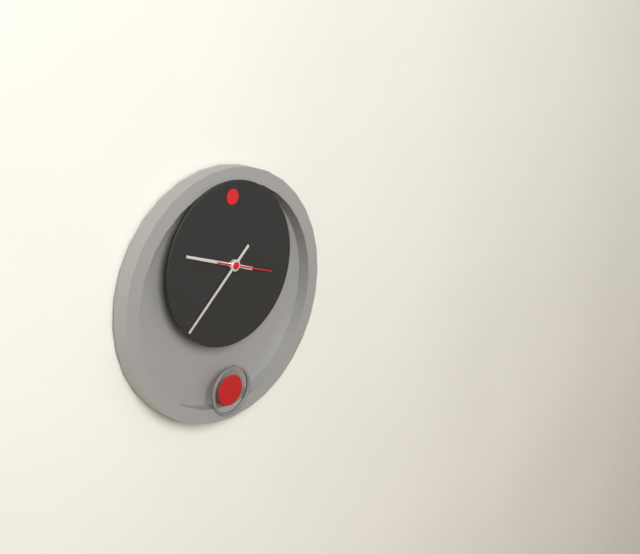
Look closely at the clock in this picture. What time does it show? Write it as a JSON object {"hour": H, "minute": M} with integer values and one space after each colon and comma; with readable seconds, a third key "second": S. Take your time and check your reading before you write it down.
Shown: {"hour": 9, "minute": 38}
